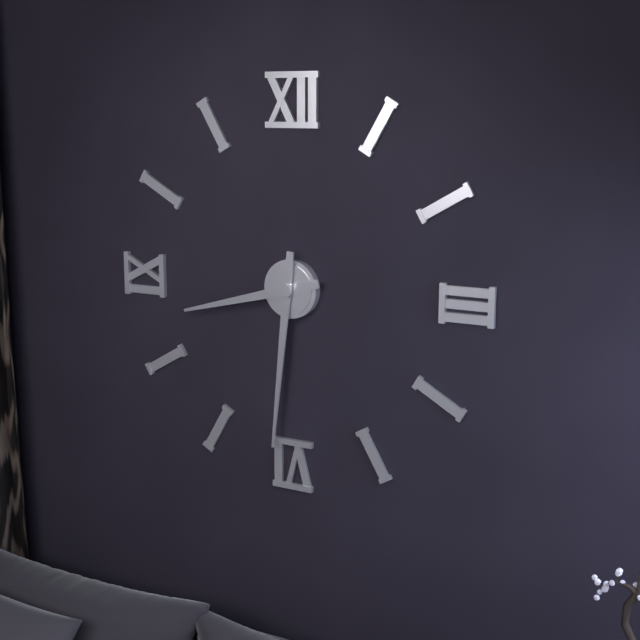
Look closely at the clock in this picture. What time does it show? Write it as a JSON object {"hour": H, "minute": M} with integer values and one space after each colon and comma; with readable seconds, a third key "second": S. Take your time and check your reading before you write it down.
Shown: {"hour": 8, "minute": 31}
